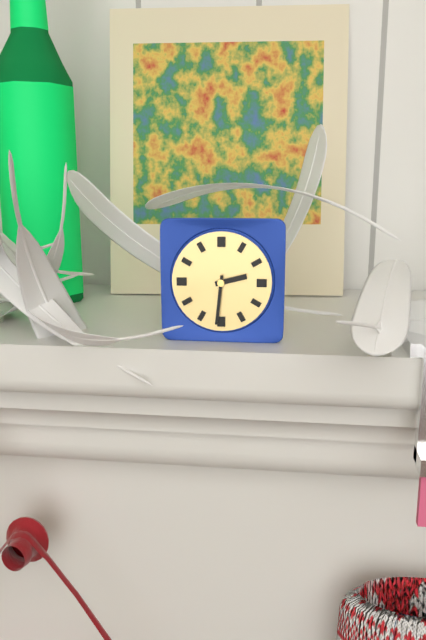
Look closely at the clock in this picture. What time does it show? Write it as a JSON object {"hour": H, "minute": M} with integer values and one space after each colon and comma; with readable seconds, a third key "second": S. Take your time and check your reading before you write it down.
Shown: {"hour": 2, "minute": 31}
